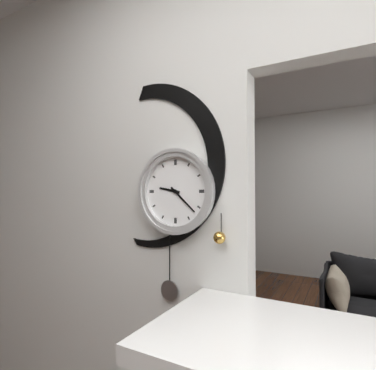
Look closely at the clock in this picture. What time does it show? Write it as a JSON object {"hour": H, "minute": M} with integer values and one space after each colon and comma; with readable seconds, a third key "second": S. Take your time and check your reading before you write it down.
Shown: {"hour": 9, "minute": 22}
